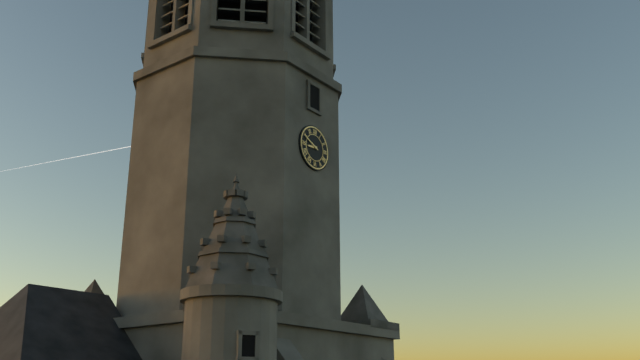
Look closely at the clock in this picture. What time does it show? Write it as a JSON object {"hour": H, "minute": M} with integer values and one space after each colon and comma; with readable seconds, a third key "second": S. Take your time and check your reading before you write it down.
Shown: {"hour": 8, "minute": 49}
